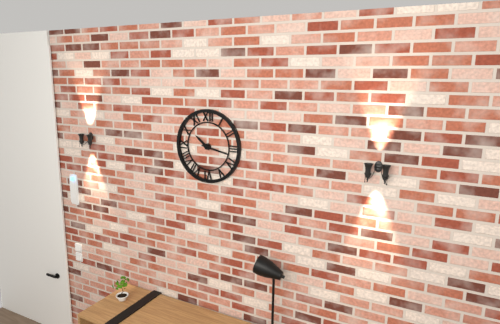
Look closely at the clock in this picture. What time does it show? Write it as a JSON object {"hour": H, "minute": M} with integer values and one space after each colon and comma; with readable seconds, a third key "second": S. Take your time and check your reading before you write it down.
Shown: {"hour": 10, "minute": 17}
